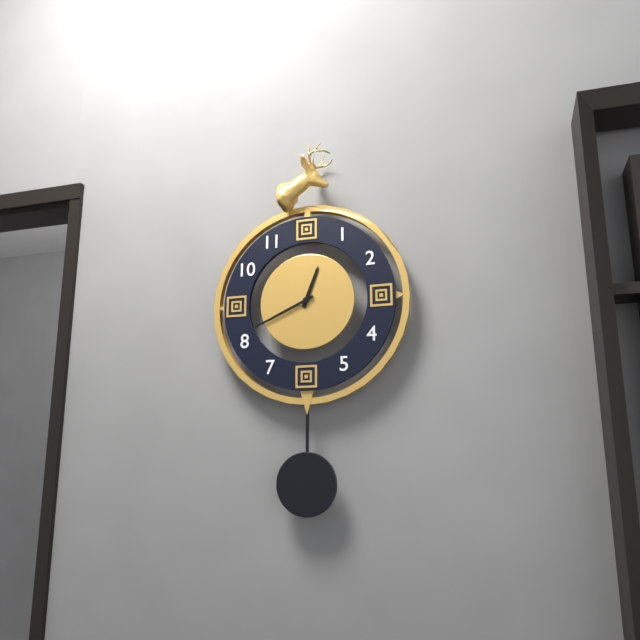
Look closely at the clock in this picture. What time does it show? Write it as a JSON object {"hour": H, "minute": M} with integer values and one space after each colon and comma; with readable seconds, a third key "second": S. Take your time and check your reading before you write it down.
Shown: {"hour": 12, "minute": 41}
